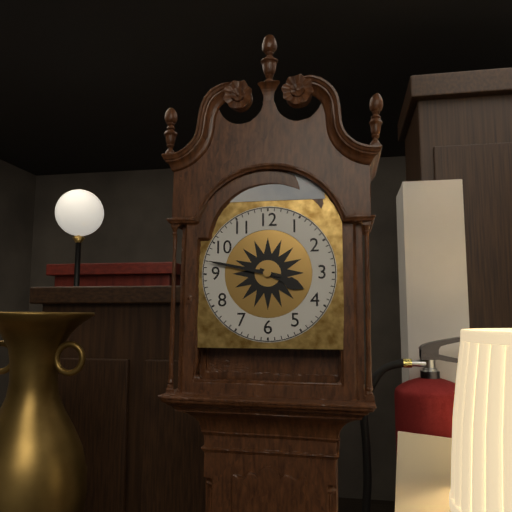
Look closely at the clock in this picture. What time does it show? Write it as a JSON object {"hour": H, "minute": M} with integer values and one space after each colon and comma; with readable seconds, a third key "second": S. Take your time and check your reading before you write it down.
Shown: {"hour": 3, "minute": 47}
